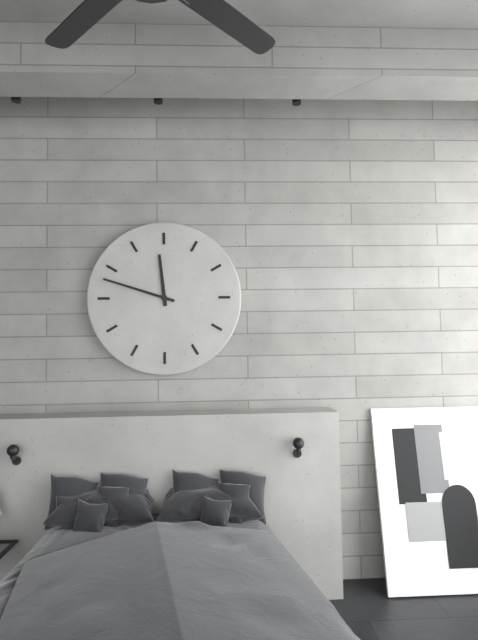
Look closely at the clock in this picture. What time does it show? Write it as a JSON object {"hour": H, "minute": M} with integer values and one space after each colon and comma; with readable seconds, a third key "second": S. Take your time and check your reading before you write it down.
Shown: {"hour": 11, "minute": 48}
